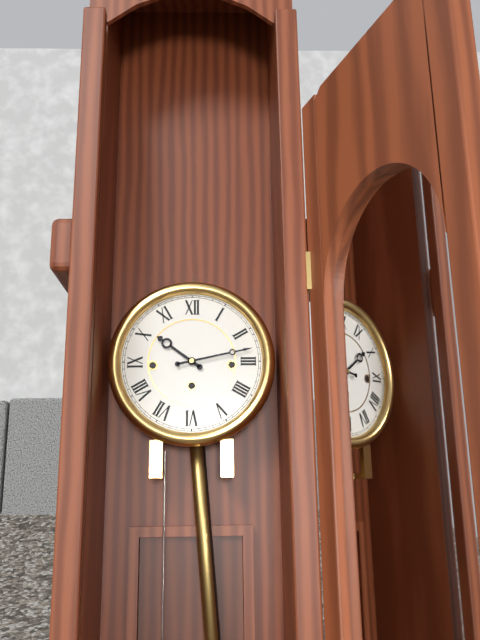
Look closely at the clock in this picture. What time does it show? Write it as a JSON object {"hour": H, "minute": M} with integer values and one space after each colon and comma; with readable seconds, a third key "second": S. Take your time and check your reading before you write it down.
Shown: {"hour": 10, "minute": 13}
